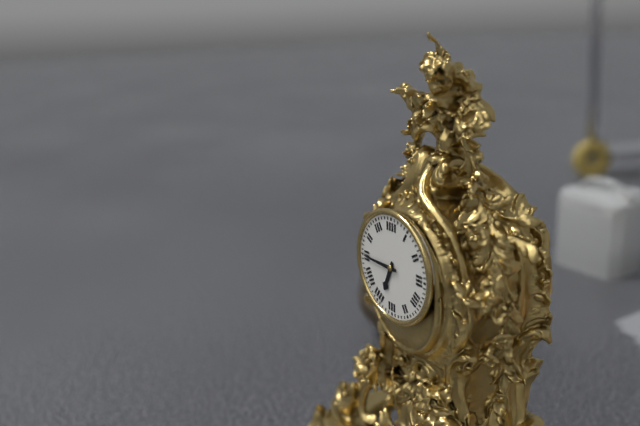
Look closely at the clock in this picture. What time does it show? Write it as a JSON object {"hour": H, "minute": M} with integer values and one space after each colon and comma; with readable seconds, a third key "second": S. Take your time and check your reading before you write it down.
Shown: {"hour": 6, "minute": 45}
